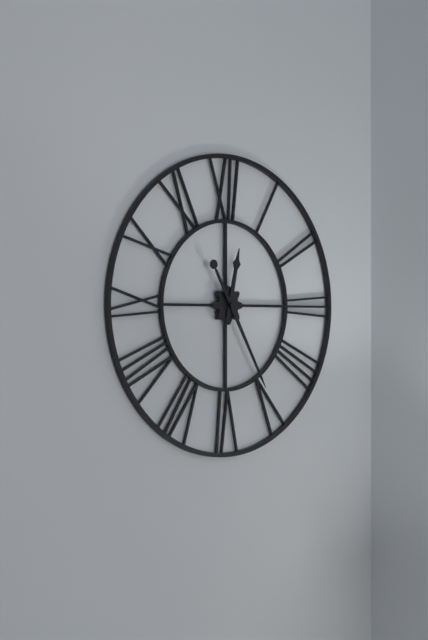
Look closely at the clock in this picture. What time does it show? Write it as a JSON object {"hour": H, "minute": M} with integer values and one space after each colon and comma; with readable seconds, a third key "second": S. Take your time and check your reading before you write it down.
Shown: {"hour": 12, "minute": 25}
